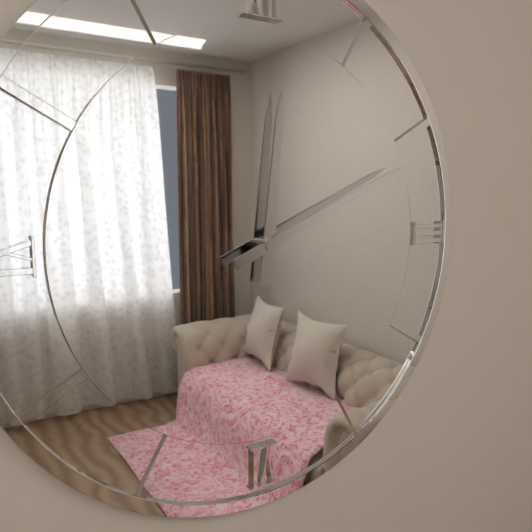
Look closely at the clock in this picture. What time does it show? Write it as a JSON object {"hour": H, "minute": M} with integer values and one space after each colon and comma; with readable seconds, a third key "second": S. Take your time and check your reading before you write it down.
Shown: {"hour": 12, "minute": 11}
